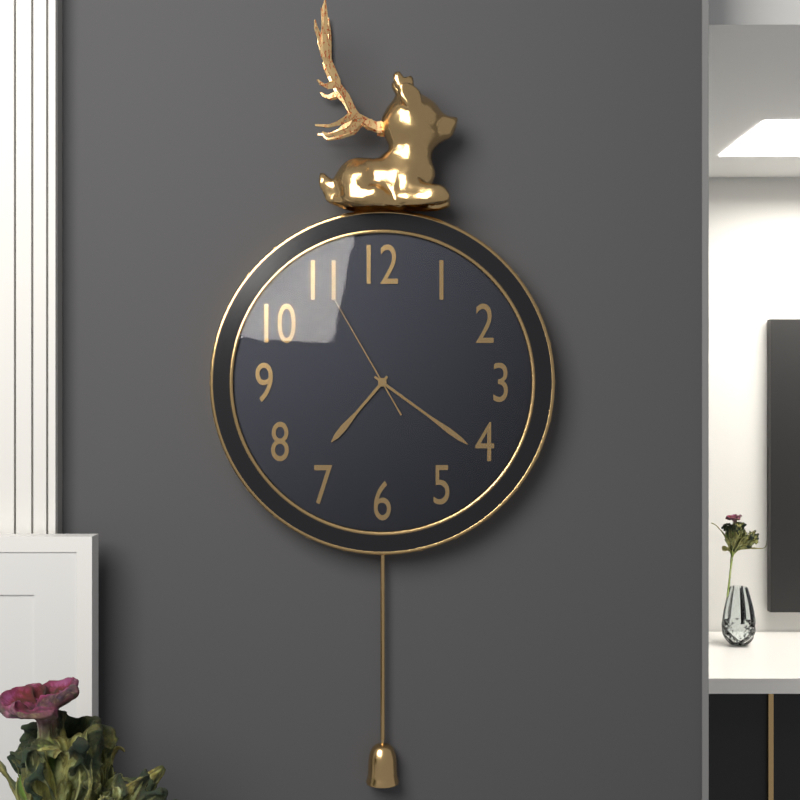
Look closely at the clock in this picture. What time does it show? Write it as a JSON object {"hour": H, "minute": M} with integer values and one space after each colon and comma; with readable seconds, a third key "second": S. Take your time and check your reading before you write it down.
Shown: {"hour": 7, "minute": 21, "second": 55}
